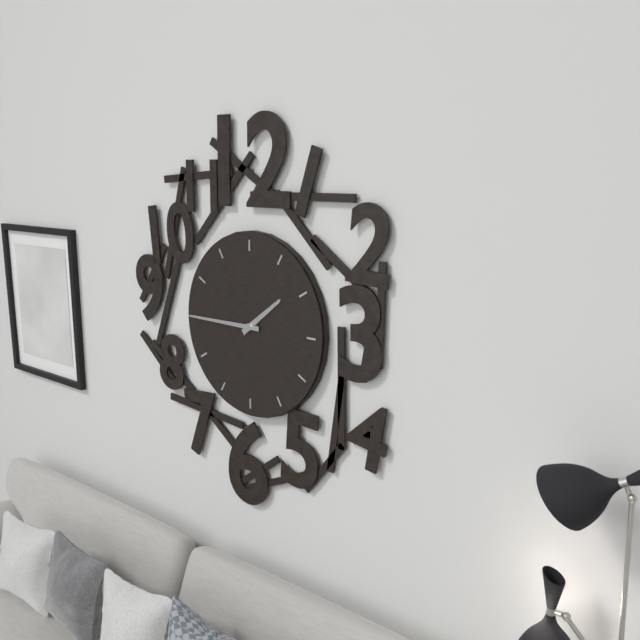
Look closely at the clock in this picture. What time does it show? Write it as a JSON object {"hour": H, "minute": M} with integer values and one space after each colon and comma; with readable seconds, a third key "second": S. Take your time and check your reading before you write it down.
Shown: {"hour": 1, "minute": 45}
